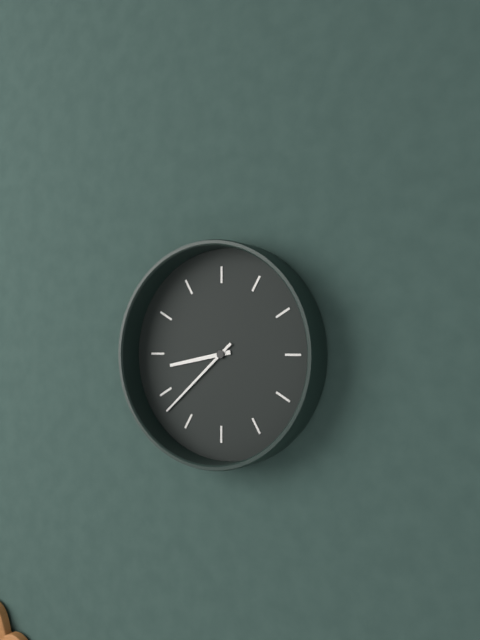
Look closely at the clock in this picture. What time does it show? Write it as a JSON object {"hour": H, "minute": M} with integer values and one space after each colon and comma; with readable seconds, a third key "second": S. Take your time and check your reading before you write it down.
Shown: {"hour": 8, "minute": 38}
